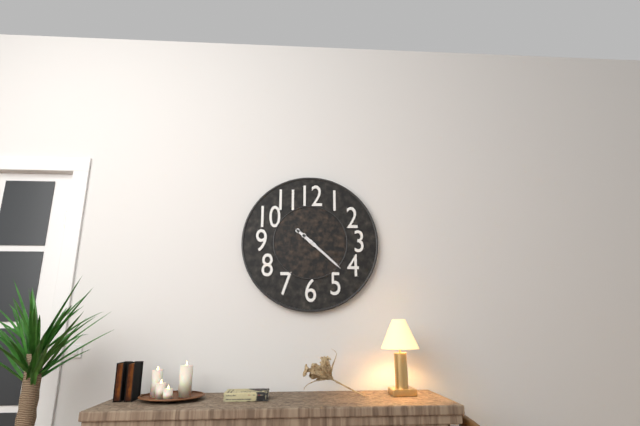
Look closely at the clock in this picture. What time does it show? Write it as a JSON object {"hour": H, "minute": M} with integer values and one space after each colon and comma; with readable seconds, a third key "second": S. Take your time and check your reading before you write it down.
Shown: {"hour": 10, "minute": 22}
